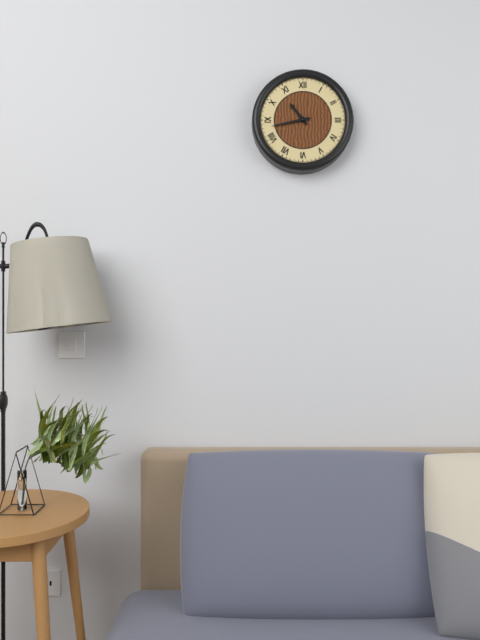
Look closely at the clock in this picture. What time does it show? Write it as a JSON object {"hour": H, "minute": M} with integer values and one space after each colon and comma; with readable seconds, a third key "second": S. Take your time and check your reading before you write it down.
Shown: {"hour": 10, "minute": 43}
